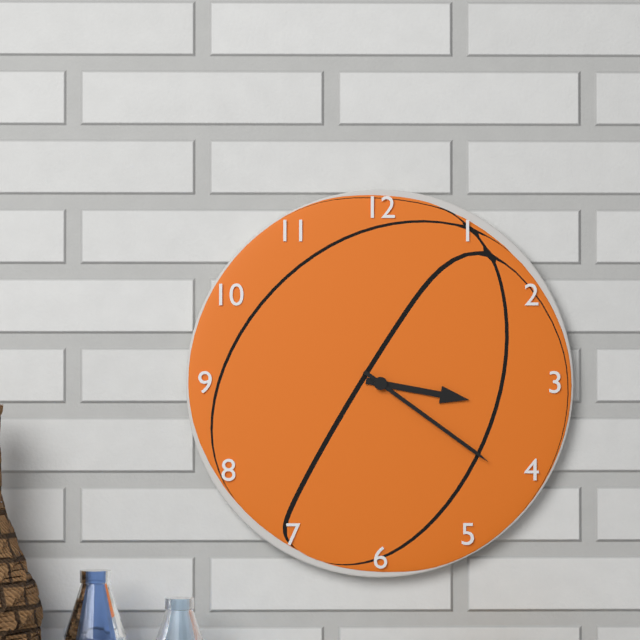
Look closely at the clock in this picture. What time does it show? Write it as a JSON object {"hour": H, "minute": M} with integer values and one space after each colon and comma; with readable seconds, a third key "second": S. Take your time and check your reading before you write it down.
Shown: {"hour": 3, "minute": 21}
